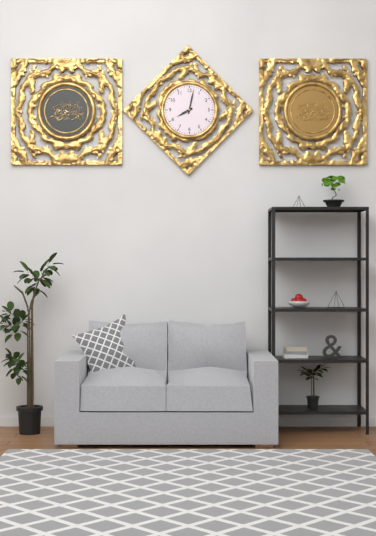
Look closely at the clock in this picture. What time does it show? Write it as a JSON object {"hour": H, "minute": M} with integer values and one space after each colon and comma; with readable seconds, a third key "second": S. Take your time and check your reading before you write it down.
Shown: {"hour": 8, "minute": 2}
